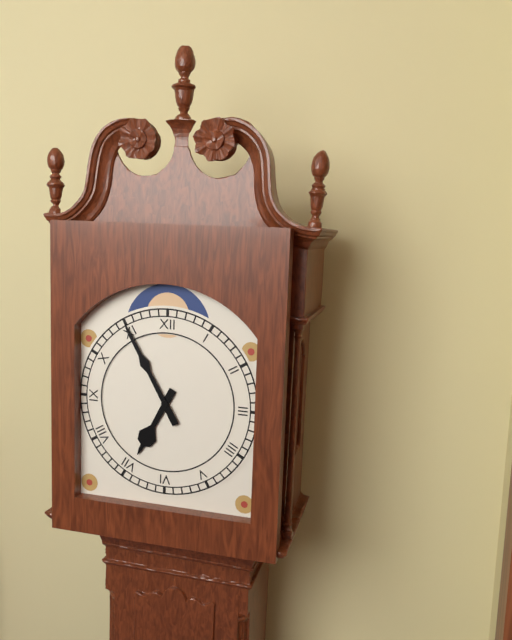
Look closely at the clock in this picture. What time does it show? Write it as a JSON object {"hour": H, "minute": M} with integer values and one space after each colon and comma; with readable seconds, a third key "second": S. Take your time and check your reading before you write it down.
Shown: {"hour": 6, "minute": 55}
